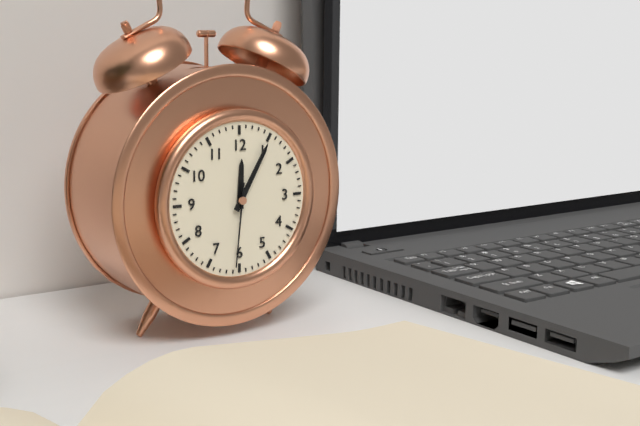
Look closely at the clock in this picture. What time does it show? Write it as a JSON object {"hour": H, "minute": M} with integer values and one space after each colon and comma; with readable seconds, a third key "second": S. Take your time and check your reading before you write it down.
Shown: {"hour": 12, "minute": 5, "second": 31}
